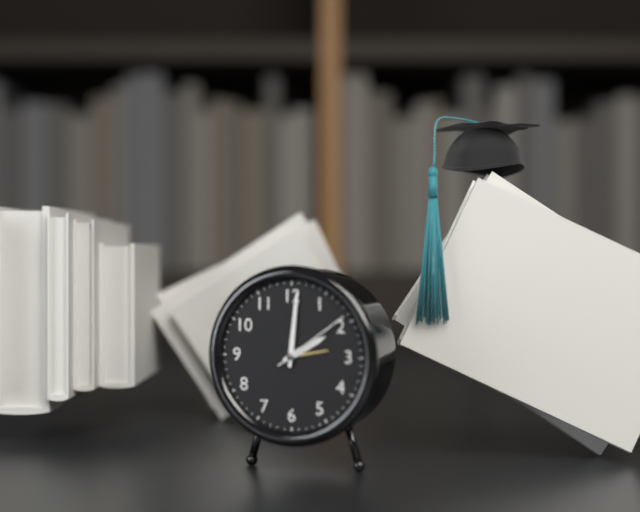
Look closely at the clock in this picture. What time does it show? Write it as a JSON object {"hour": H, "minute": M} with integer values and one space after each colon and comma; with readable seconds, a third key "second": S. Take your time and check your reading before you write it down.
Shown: {"hour": 2, "minute": 1, "second": 9}
